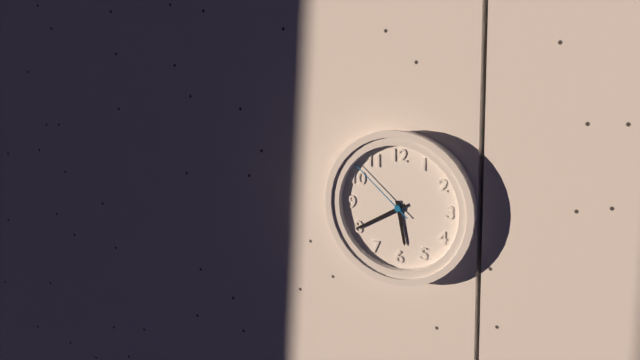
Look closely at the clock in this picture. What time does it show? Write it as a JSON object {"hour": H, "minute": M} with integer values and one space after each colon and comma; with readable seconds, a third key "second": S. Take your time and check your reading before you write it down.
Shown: {"hour": 5, "minute": 40, "second": 52}
